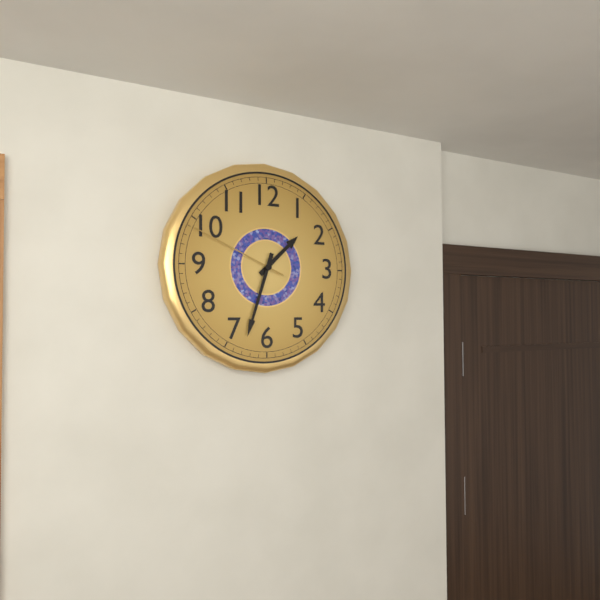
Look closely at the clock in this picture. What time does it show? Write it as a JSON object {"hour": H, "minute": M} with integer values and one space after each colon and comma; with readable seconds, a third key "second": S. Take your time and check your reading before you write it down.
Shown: {"hour": 1, "minute": 33, "second": 49}
